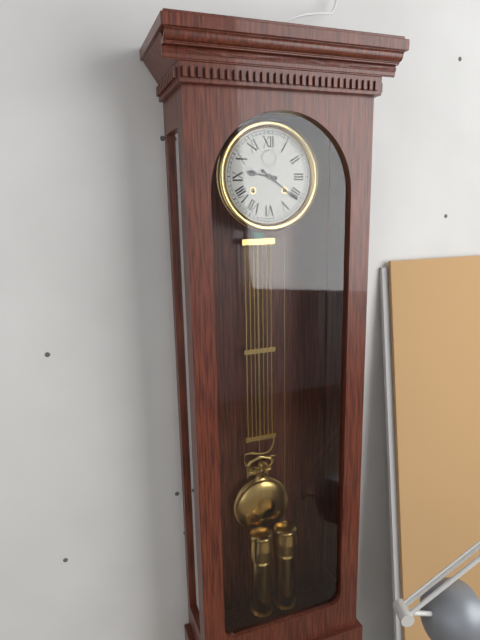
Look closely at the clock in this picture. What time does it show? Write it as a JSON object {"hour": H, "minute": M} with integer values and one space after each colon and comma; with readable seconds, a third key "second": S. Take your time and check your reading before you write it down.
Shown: {"hour": 9, "minute": 21}
